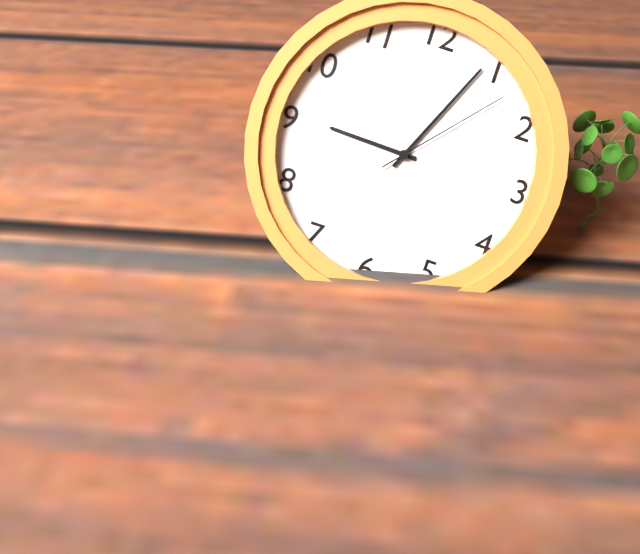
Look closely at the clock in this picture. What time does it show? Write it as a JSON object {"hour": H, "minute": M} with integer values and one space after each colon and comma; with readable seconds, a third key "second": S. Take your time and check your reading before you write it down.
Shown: {"hour": 9, "minute": 4, "second": 7}
